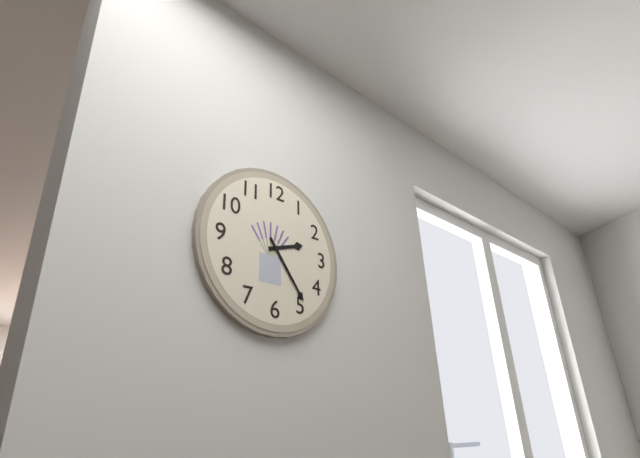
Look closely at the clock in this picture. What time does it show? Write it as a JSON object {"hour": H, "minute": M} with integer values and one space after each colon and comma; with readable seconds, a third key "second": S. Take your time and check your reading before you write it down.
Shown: {"hour": 2, "minute": 24}
